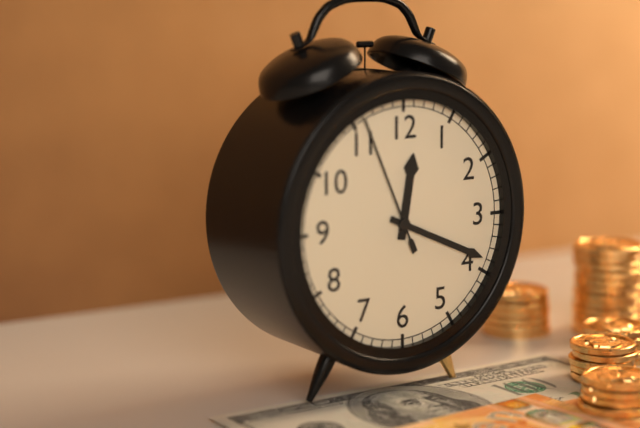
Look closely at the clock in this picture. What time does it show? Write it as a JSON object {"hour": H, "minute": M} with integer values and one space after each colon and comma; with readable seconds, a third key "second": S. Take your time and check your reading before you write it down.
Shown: {"hour": 12, "minute": 19, "second": 56}
